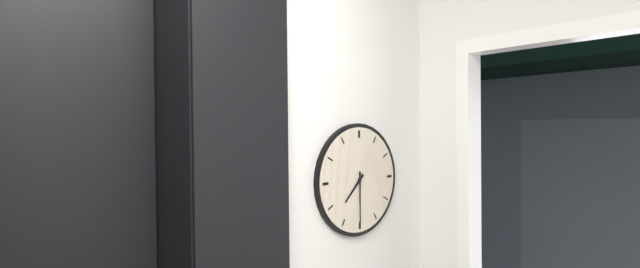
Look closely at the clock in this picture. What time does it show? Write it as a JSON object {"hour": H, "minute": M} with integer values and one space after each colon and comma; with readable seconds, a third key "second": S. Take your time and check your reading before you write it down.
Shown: {"hour": 7, "minute": 30}
